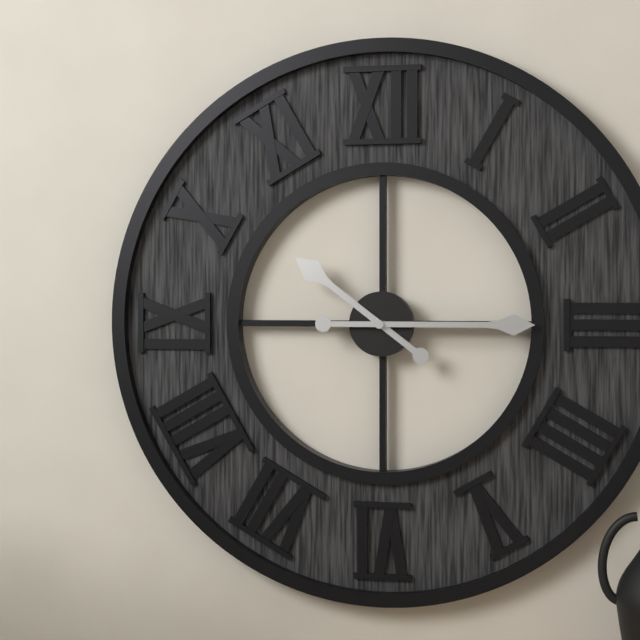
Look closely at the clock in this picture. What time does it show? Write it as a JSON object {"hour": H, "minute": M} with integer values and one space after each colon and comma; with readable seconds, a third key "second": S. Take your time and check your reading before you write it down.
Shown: {"hour": 10, "minute": 15}
